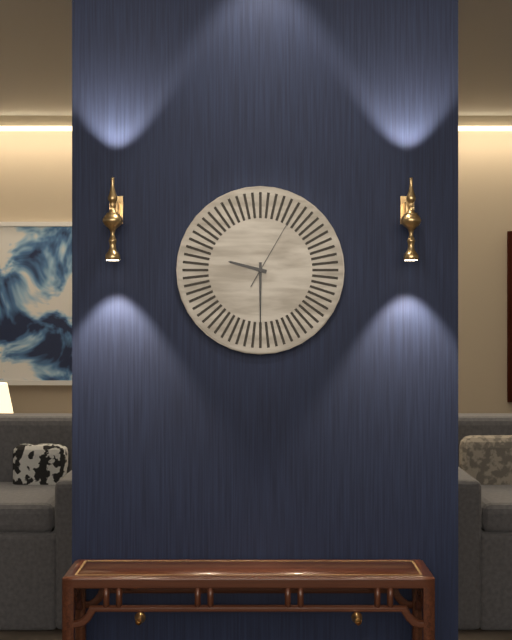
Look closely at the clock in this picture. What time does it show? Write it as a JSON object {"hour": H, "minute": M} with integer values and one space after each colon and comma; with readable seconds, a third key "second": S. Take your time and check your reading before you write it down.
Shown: {"hour": 9, "minute": 30, "second": 5}
